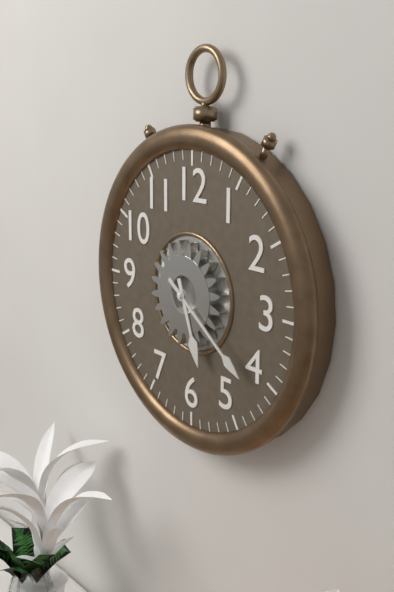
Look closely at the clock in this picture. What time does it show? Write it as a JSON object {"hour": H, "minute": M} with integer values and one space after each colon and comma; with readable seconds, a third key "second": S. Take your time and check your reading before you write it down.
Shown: {"hour": 5, "minute": 21}
